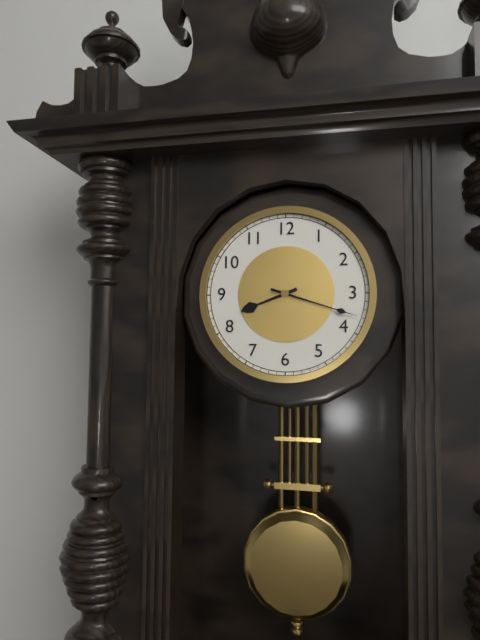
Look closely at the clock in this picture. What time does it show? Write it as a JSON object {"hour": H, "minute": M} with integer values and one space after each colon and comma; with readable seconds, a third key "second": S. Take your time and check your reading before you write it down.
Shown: {"hour": 8, "minute": 18}
